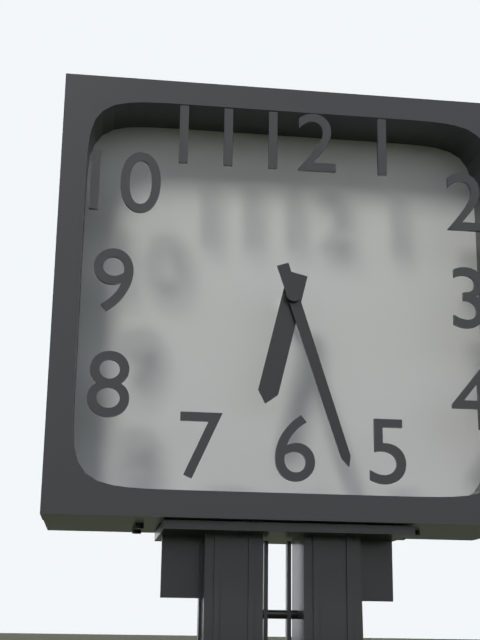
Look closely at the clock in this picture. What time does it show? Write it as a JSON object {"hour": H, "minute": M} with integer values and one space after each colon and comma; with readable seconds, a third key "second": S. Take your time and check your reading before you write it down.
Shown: {"hour": 6, "minute": 27}
